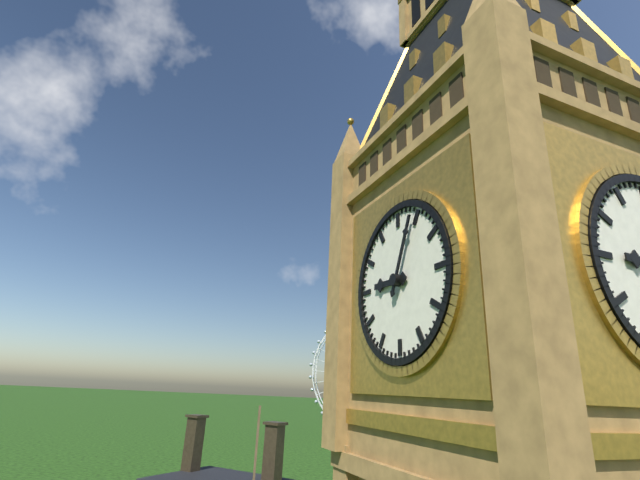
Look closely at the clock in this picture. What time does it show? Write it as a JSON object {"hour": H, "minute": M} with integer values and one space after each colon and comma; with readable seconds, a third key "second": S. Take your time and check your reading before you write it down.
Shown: {"hour": 9, "minute": 4}
